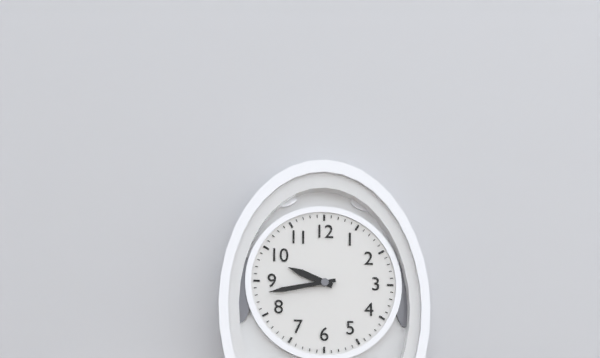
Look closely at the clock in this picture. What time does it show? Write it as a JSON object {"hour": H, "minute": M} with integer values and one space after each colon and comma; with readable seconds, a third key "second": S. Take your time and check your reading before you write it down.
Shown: {"hour": 9, "minute": 43}
